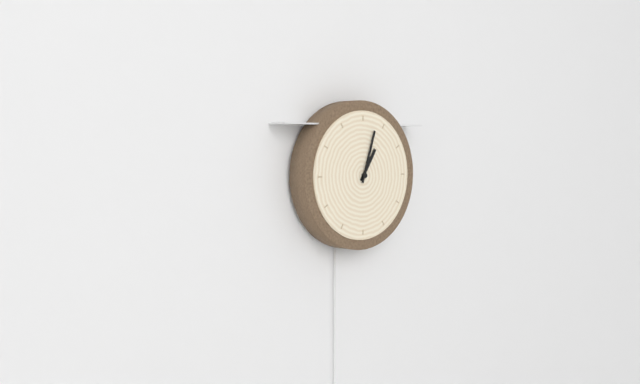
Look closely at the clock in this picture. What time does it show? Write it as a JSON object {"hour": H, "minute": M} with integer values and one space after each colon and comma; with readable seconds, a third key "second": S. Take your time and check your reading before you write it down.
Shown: {"hour": 1, "minute": 3}
